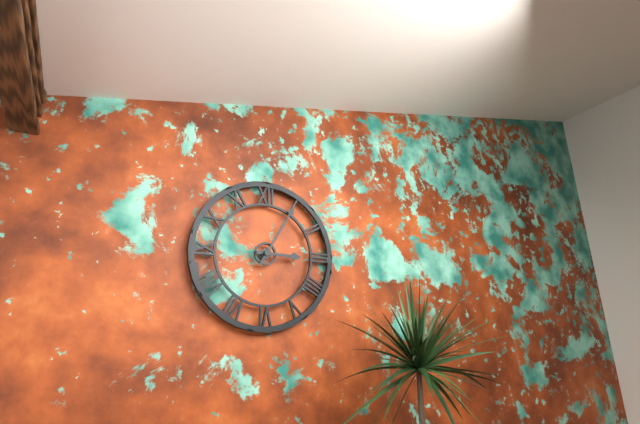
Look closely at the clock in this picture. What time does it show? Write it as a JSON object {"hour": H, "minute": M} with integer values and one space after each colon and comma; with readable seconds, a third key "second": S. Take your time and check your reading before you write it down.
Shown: {"hour": 3, "minute": 5}
